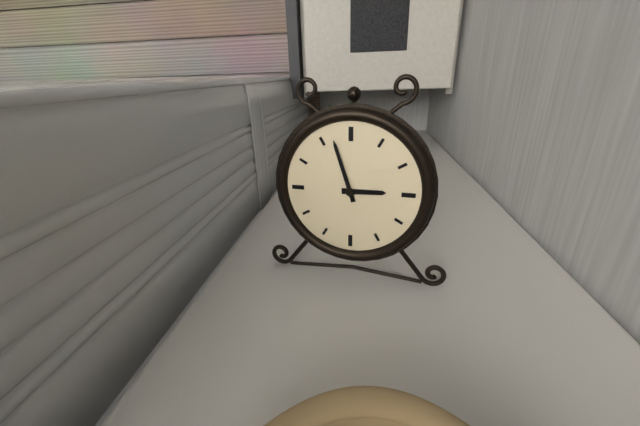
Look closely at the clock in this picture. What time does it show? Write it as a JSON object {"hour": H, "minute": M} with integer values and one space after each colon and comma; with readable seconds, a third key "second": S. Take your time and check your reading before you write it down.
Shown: {"hour": 2, "minute": 57}
